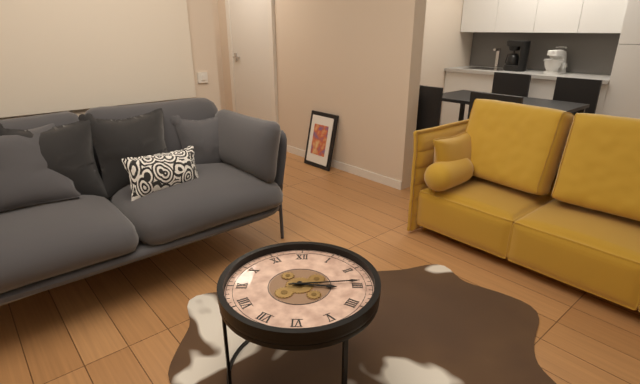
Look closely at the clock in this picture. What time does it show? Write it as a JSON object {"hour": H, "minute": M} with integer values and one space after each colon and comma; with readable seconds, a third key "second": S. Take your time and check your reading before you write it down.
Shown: {"hour": 3, "minute": 14}
